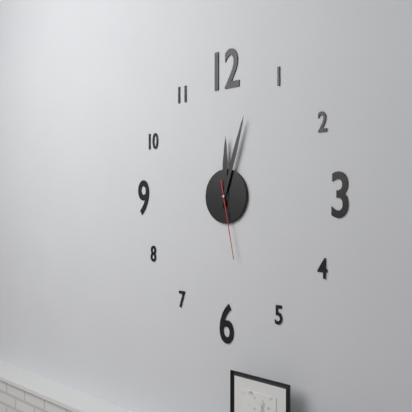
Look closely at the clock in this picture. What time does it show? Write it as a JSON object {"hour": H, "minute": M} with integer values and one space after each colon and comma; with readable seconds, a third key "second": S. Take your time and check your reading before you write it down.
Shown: {"hour": 12, "minute": 3, "second": 28}
